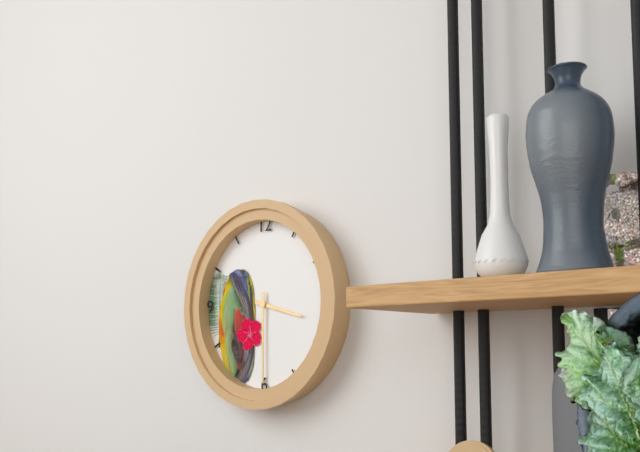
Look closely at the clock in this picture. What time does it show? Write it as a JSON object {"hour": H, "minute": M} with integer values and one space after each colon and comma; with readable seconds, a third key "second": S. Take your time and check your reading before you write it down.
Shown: {"hour": 3, "minute": 30}
